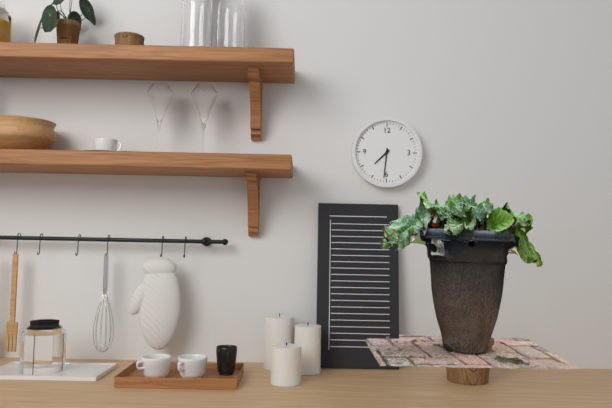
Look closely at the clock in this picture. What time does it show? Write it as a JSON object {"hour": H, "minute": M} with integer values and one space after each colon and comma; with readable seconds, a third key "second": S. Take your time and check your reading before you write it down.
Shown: {"hour": 7, "minute": 31}
